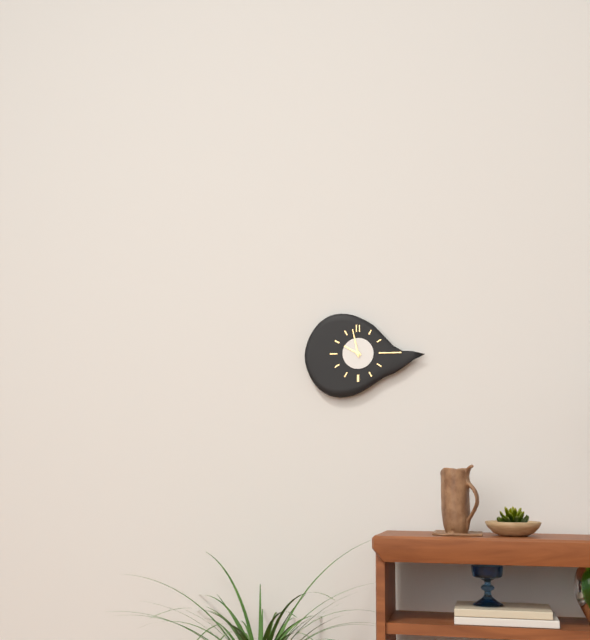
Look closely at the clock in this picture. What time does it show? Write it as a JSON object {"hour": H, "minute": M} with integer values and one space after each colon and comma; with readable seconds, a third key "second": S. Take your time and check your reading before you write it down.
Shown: {"hour": 9, "minute": 58}
